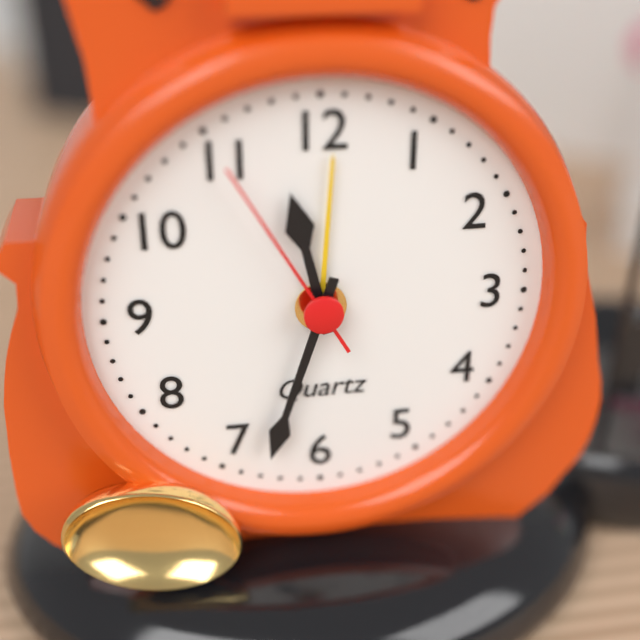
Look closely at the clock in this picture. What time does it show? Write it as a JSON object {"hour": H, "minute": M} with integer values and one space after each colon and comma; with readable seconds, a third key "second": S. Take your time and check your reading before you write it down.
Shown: {"hour": 11, "minute": 33, "second": 55}
